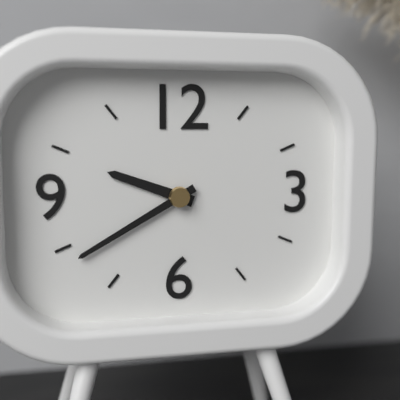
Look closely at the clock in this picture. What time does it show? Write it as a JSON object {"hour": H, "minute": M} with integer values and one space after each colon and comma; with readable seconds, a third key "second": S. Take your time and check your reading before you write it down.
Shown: {"hour": 9, "minute": 40}
